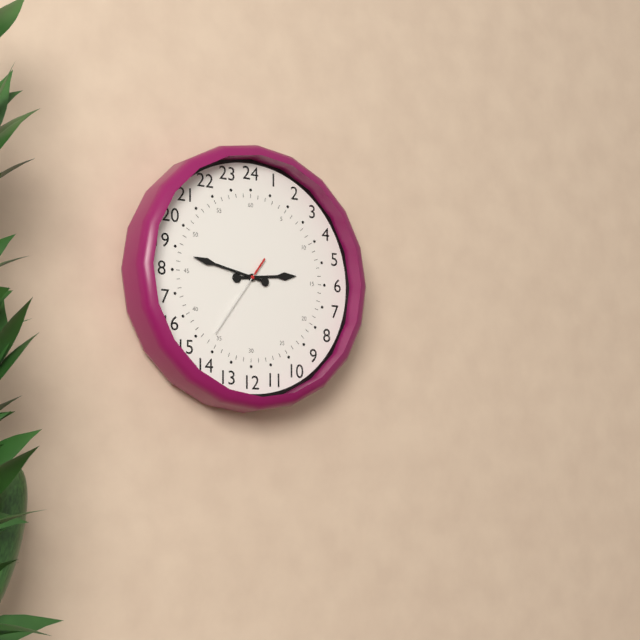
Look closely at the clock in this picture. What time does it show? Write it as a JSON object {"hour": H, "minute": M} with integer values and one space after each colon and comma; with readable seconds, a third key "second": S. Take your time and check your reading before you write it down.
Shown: {"hour": 2, "minute": 47, "second": 36}
